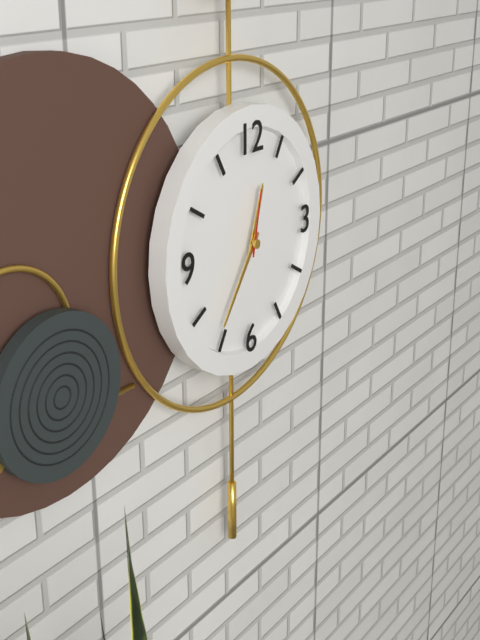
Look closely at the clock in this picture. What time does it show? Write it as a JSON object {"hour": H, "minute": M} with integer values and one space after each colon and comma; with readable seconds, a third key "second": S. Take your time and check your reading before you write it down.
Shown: {"hour": 12, "minute": 36, "second": 2}
